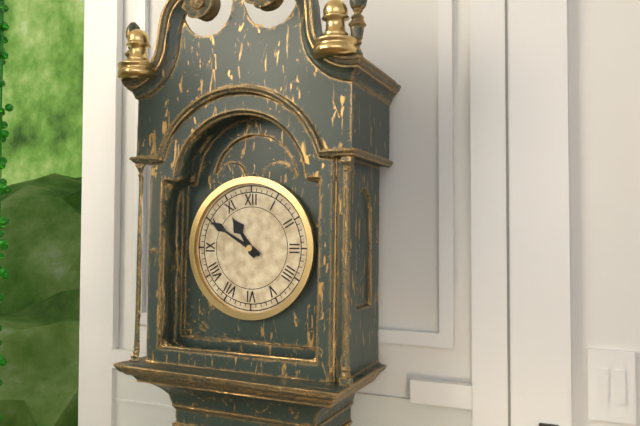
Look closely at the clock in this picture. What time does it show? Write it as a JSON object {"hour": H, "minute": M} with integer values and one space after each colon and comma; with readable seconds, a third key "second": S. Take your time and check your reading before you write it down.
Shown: {"hour": 10, "minute": 50}
